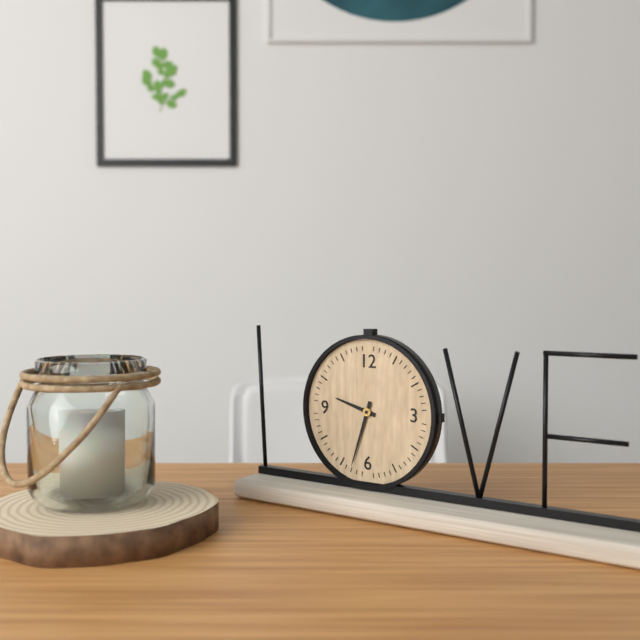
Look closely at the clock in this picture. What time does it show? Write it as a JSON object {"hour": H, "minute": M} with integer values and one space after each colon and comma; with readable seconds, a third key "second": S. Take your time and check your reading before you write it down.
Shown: {"hour": 9, "minute": 33}
